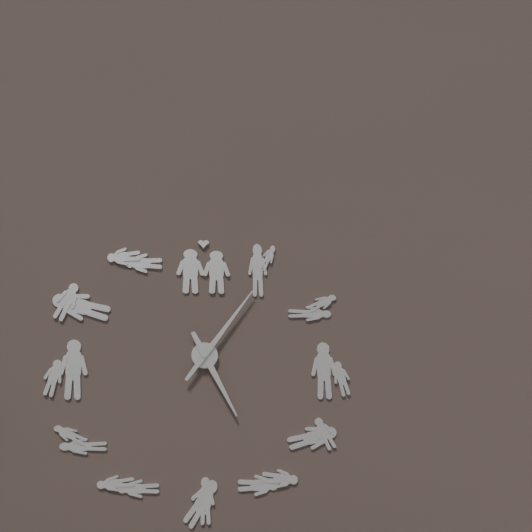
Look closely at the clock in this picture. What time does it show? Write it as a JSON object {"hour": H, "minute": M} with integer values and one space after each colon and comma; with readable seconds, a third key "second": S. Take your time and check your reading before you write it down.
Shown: {"hour": 5, "minute": 6}
